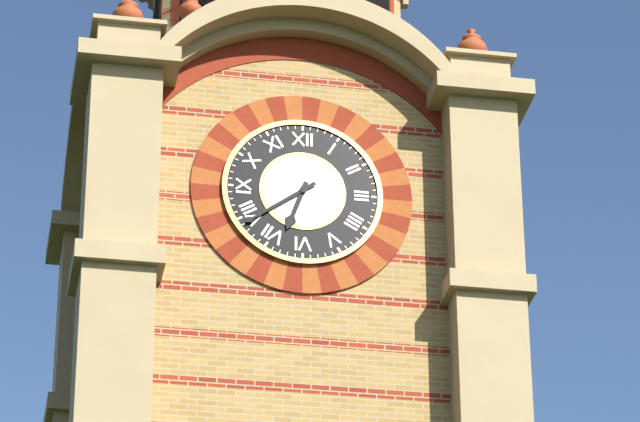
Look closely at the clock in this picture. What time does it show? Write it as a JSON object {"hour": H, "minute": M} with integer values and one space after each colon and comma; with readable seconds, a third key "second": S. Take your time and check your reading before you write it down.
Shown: {"hour": 6, "minute": 39}
